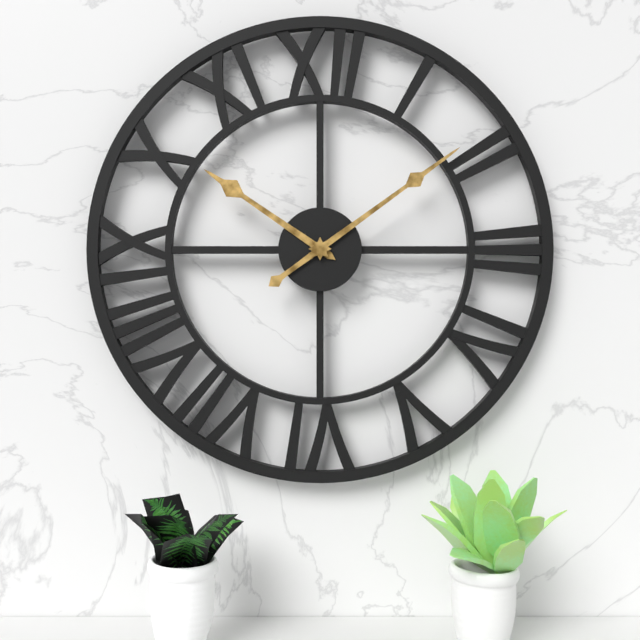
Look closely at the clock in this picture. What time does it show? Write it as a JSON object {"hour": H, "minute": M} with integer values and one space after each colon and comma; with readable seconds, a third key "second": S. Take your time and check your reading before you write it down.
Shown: {"hour": 10, "minute": 9}
